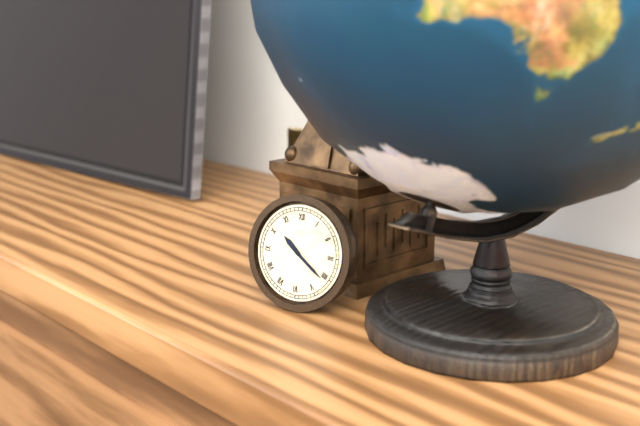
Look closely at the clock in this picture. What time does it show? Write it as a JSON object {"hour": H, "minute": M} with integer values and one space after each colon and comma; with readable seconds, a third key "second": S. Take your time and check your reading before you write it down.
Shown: {"hour": 10, "minute": 21}
